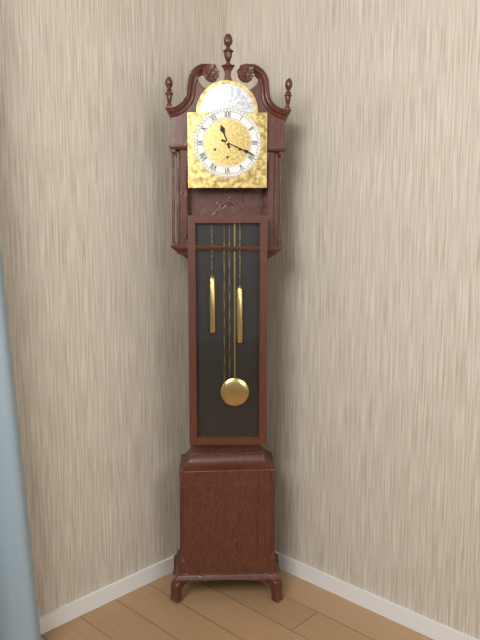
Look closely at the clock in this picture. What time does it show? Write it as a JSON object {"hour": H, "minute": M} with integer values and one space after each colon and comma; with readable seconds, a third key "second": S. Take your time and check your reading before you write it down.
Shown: {"hour": 11, "minute": 19}
